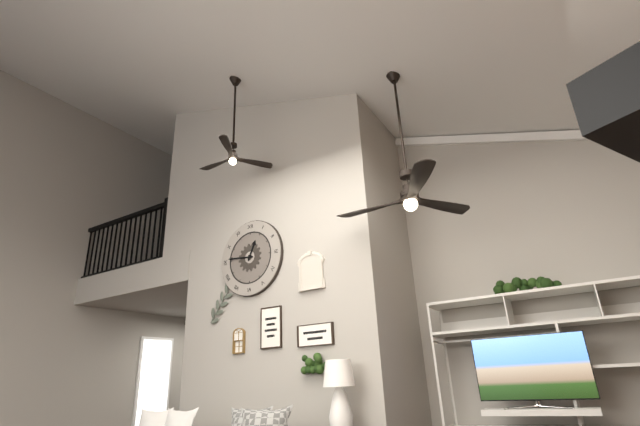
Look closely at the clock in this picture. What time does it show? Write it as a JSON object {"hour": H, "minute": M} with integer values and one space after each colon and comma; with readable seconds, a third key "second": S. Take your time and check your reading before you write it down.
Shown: {"hour": 12, "minute": 46}
